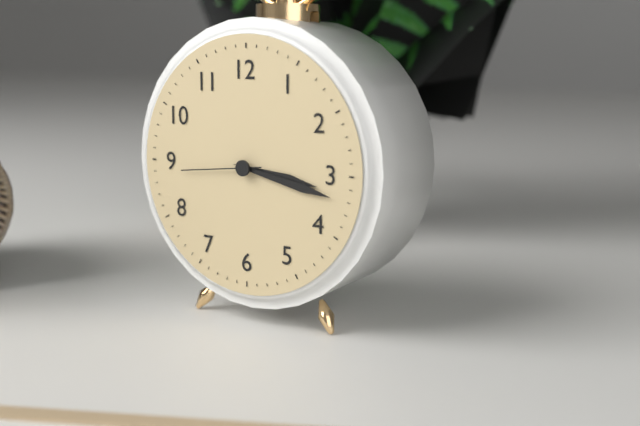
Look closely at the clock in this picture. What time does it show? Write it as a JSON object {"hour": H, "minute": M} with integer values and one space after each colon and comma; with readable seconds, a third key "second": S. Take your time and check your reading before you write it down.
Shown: {"hour": 3, "minute": 17, "second": 44}
